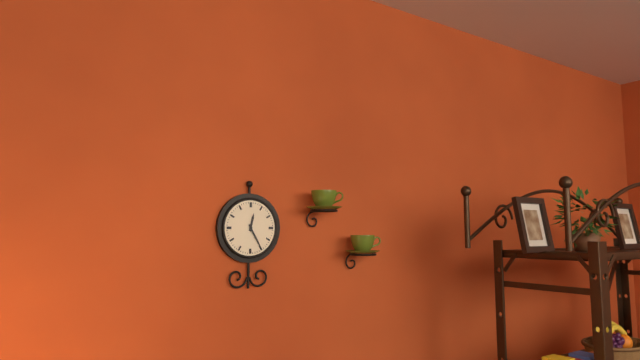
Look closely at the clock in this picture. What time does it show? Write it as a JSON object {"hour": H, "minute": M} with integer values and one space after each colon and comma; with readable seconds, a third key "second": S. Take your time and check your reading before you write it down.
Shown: {"hour": 12, "minute": 25}
